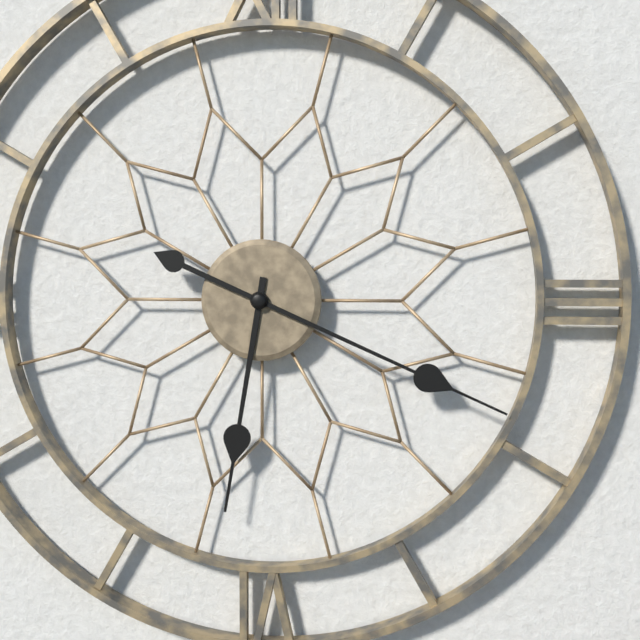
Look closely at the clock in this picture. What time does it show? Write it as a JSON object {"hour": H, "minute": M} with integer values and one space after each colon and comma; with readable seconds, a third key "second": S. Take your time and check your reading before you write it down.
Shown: {"hour": 6, "minute": 19}
